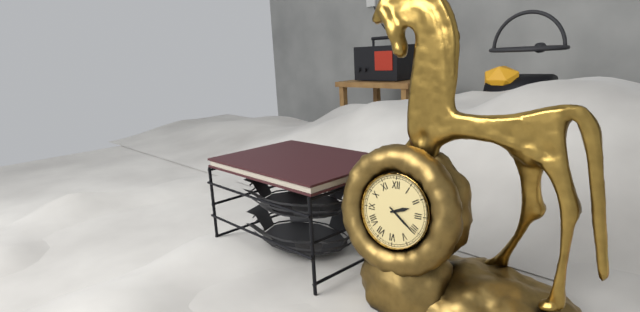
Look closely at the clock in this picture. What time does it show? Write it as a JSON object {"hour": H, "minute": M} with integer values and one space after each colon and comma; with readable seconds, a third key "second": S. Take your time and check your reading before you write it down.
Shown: {"hour": 2, "minute": 21}
